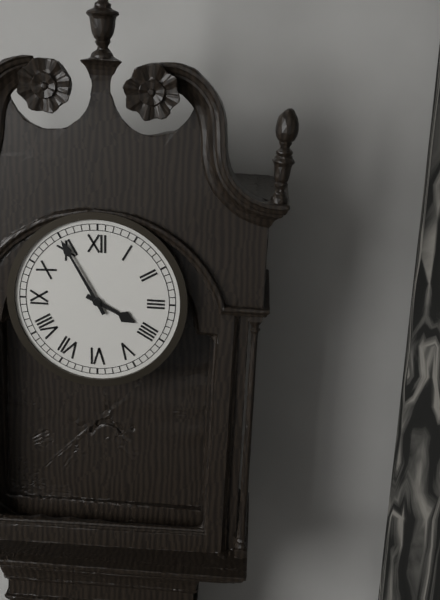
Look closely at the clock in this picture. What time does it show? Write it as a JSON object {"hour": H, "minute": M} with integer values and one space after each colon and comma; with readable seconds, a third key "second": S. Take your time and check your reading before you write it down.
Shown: {"hour": 3, "minute": 55}
